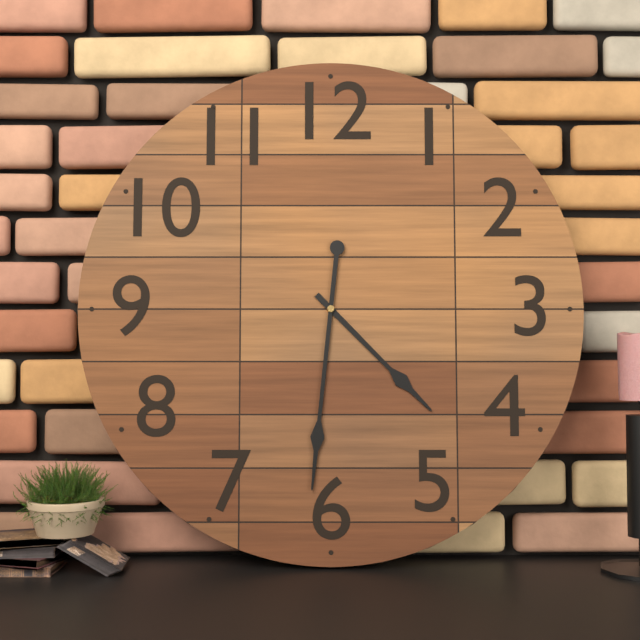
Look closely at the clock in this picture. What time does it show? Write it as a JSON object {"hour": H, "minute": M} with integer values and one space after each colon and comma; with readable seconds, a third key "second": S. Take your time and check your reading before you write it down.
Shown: {"hour": 4, "minute": 31}
